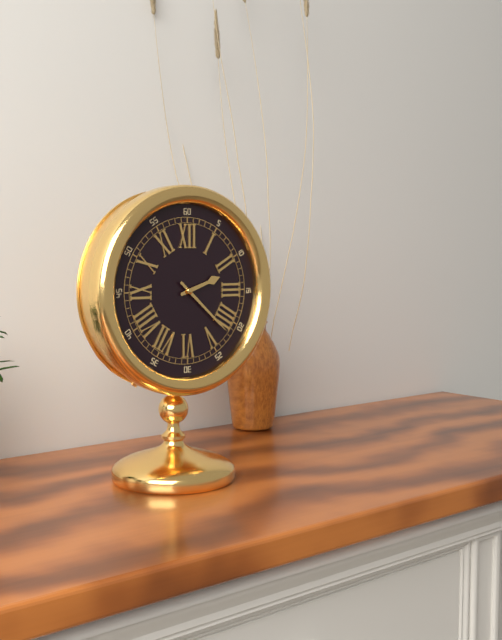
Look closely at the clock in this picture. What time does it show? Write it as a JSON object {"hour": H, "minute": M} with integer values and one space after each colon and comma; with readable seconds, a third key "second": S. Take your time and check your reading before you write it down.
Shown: {"hour": 2, "minute": 22}
